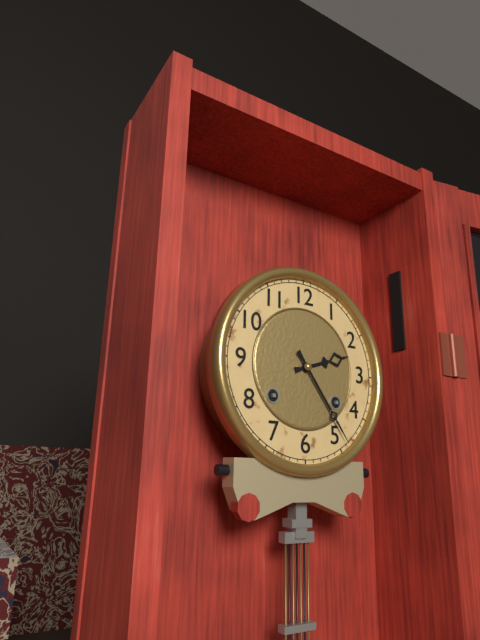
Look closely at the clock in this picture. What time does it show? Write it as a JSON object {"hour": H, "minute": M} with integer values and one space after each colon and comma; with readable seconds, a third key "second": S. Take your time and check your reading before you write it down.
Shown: {"hour": 2, "minute": 24}
